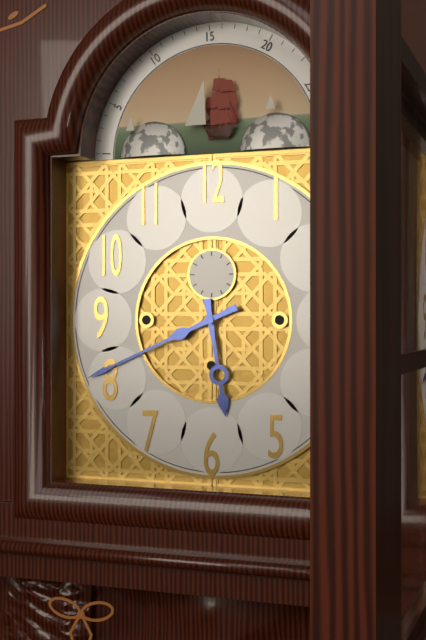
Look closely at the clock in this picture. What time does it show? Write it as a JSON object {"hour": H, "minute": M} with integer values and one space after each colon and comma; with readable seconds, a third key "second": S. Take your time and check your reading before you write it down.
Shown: {"hour": 5, "minute": 41}
